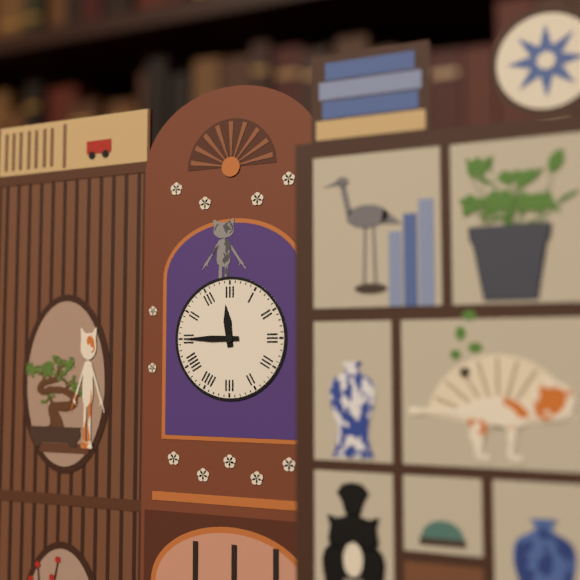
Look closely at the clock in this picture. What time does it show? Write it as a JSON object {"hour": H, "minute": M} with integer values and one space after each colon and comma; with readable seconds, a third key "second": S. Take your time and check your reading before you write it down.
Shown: {"hour": 11, "minute": 45}
